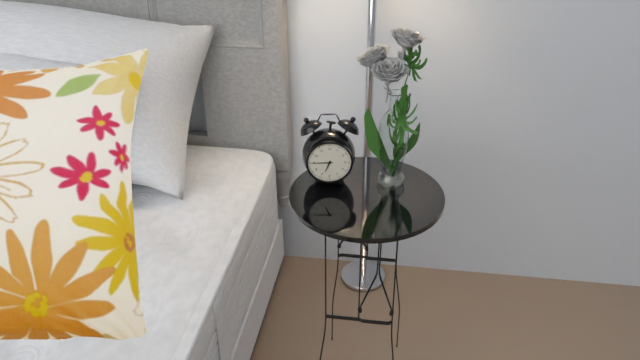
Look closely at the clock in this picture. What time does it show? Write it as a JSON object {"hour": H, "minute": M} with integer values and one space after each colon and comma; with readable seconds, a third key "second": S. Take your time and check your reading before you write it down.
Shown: {"hour": 6, "minute": 45}
